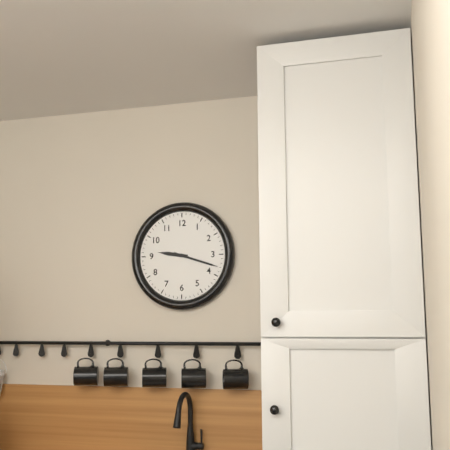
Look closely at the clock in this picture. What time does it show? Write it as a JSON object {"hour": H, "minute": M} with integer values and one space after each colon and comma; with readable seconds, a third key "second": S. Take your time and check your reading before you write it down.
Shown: {"hour": 9, "minute": 18}
